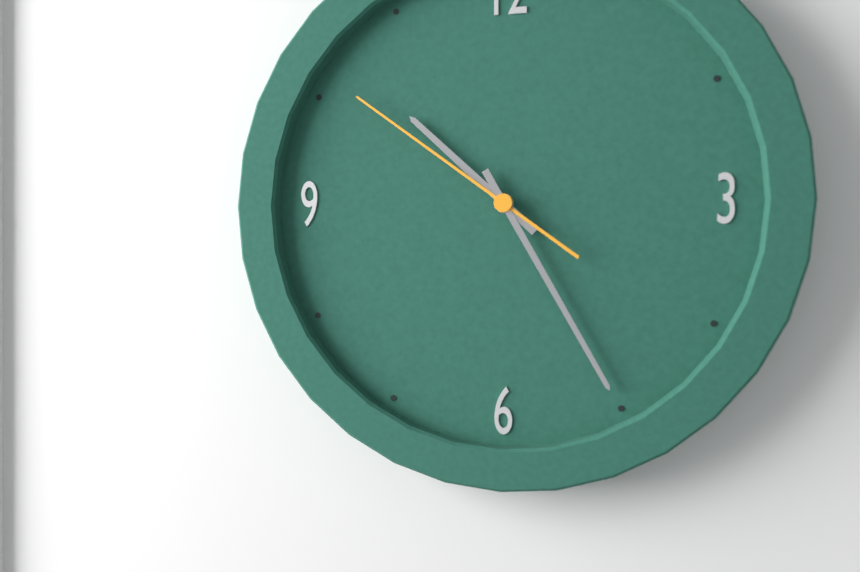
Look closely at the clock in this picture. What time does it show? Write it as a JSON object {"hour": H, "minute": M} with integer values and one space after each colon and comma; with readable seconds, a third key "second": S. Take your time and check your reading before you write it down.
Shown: {"hour": 10, "minute": 25, "second": 51}
